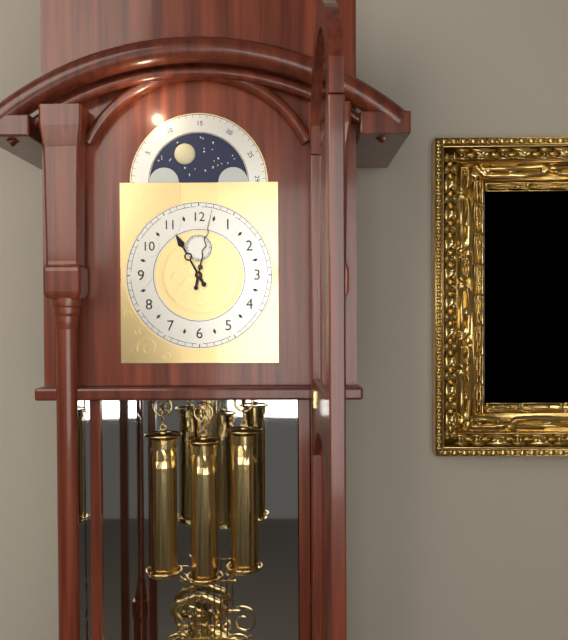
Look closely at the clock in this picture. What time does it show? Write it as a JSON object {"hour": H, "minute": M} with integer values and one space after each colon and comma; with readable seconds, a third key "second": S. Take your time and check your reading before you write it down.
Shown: {"hour": 11, "minute": 2}
